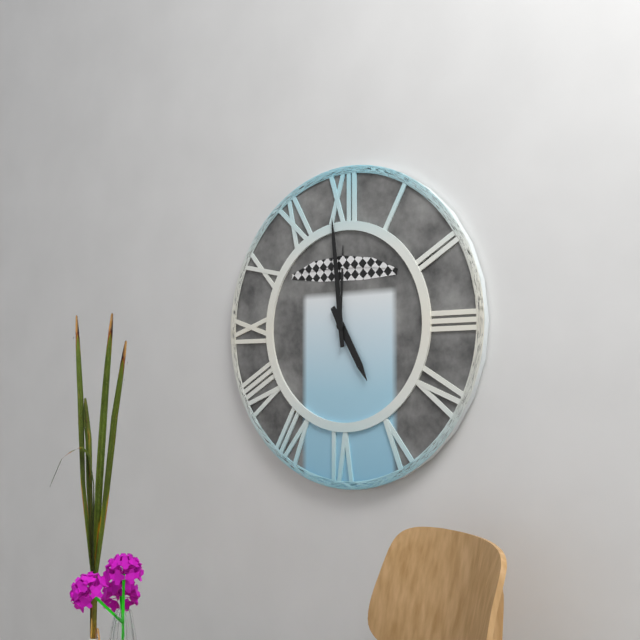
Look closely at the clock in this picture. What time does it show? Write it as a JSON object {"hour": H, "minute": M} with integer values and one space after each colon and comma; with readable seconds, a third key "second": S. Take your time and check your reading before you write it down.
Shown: {"hour": 4, "minute": 59}
